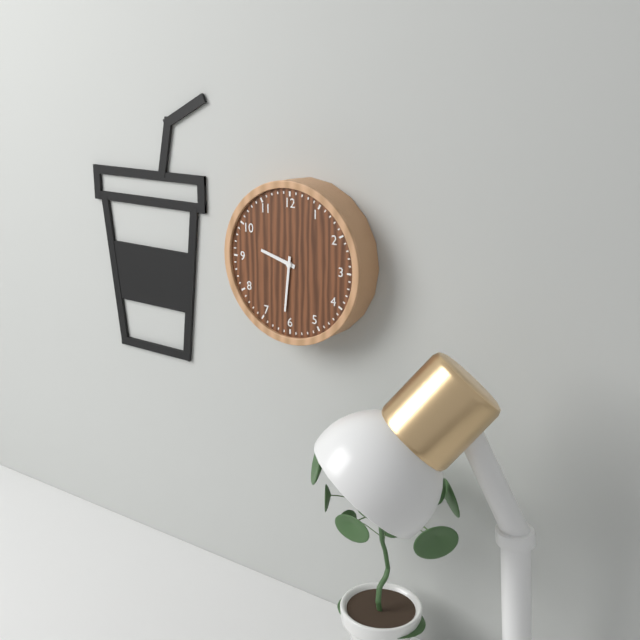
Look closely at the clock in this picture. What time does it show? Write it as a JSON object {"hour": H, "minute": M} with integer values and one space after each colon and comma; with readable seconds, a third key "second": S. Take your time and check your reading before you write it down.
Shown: {"hour": 9, "minute": 31}
